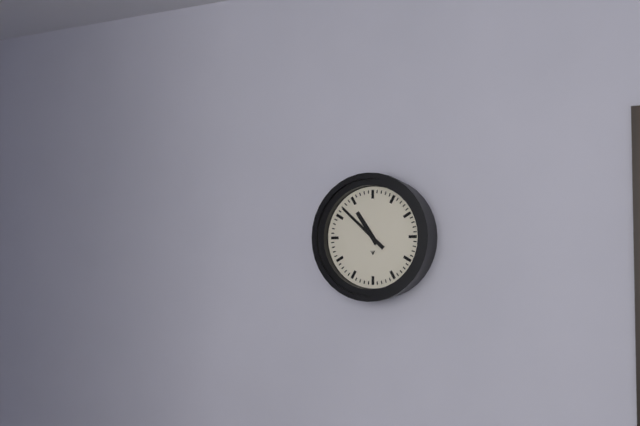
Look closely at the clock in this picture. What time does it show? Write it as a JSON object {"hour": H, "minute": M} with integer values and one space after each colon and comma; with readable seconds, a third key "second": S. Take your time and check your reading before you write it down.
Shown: {"hour": 10, "minute": 52}
